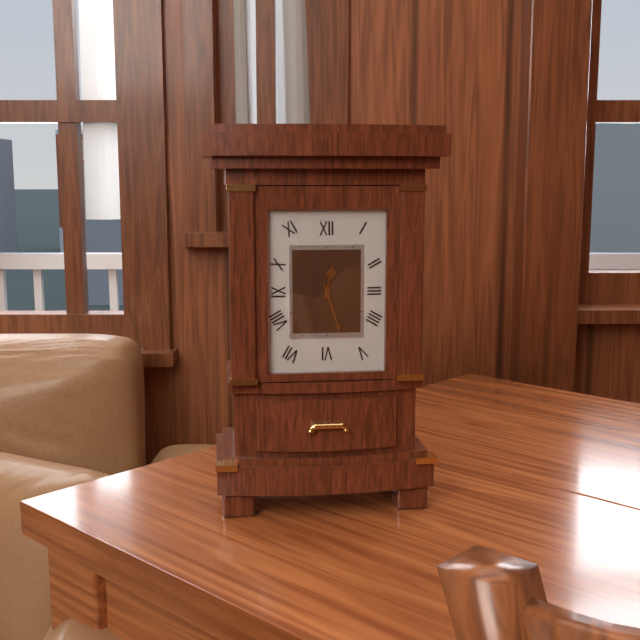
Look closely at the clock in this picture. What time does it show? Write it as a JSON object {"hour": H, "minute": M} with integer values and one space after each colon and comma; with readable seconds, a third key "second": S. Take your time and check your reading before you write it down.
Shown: {"hour": 12, "minute": 27}
